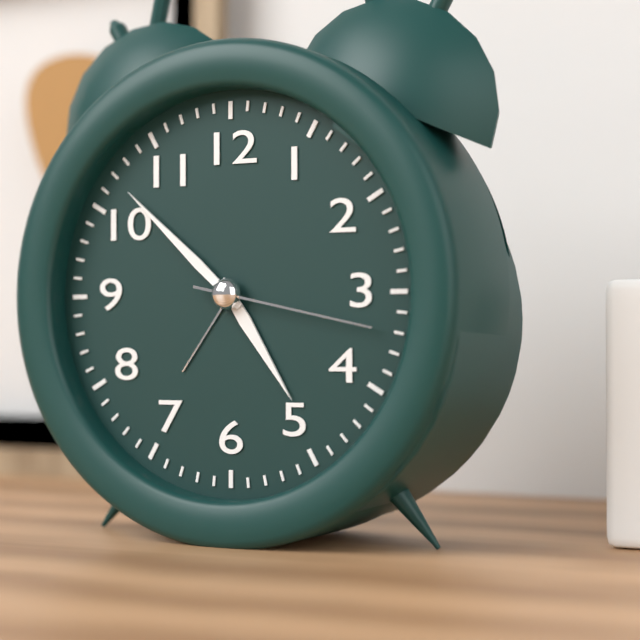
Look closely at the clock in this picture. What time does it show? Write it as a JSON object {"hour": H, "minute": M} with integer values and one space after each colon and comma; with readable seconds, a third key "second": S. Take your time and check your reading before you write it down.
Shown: {"hour": 4, "minute": 52, "second": 17}
